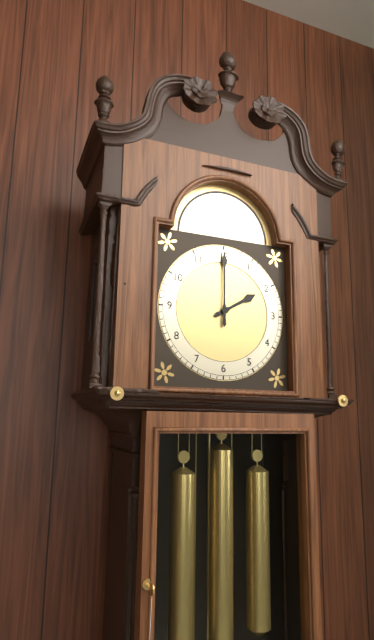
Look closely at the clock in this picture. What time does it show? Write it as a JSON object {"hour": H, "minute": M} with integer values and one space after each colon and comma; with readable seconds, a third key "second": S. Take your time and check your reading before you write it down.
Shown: {"hour": 2, "minute": 0}
